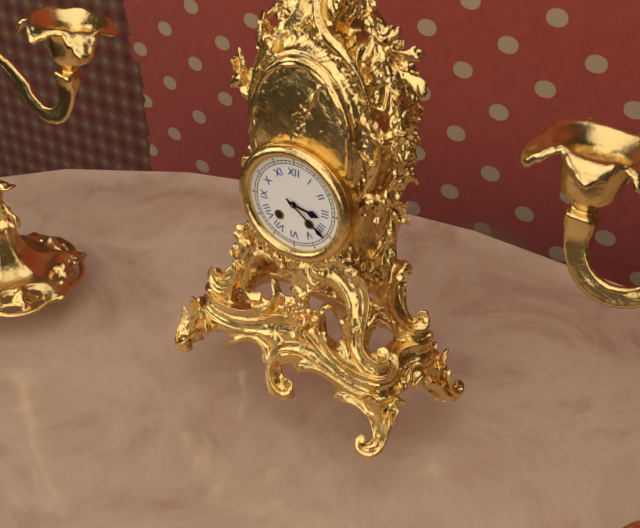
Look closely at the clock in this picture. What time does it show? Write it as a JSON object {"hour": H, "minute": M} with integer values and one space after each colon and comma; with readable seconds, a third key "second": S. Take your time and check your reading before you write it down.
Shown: {"hour": 3, "minute": 21}
